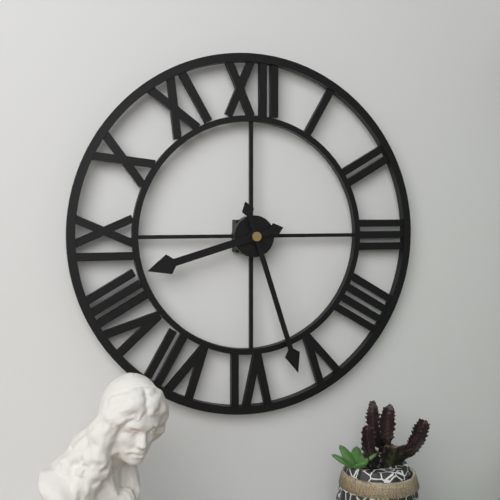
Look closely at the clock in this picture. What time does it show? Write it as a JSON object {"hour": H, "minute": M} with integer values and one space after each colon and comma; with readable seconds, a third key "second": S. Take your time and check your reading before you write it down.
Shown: {"hour": 8, "minute": 27}
